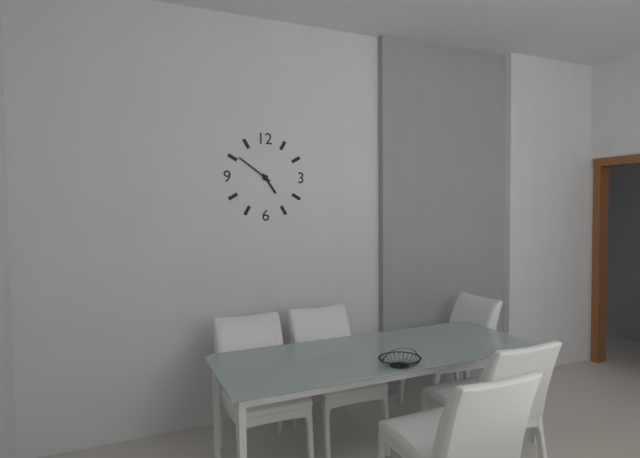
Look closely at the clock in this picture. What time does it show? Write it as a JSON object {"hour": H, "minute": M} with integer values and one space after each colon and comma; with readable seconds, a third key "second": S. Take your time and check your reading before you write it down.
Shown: {"hour": 4, "minute": 51}
